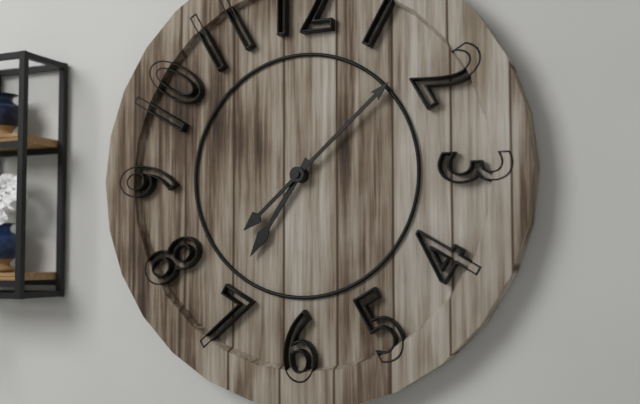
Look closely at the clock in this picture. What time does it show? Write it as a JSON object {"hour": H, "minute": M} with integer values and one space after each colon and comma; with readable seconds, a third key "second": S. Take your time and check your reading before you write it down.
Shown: {"hour": 7, "minute": 8}
